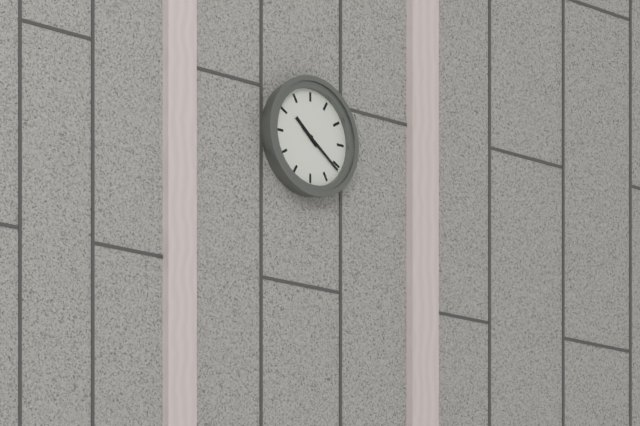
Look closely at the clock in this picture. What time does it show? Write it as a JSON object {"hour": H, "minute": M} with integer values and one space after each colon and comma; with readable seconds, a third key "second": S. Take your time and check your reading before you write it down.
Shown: {"hour": 10, "minute": 21}
